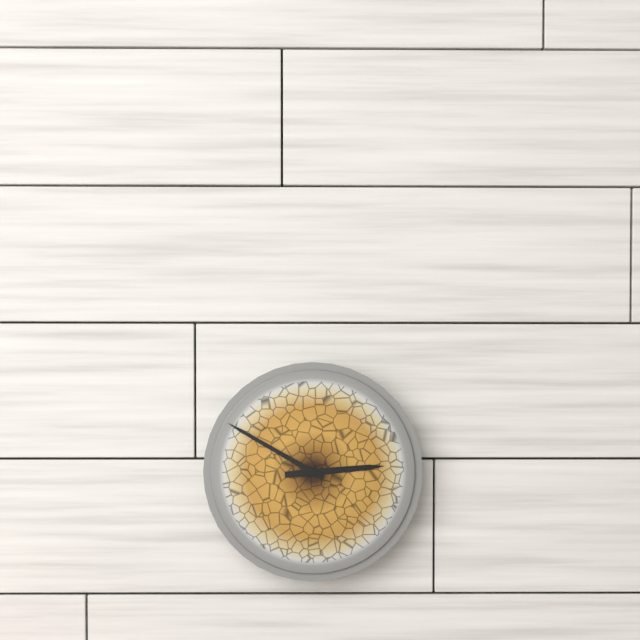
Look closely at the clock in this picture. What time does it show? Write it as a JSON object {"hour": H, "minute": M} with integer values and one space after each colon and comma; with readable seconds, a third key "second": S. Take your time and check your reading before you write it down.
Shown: {"hour": 2, "minute": 50}
